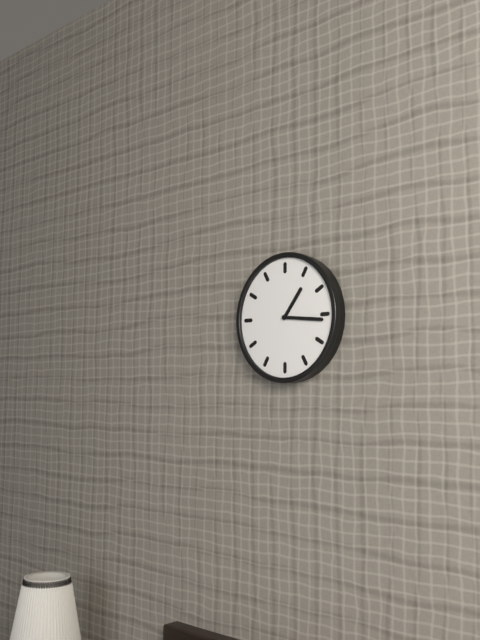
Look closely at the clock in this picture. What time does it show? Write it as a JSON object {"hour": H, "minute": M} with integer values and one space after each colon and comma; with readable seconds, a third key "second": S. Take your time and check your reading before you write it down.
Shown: {"hour": 1, "minute": 16}
